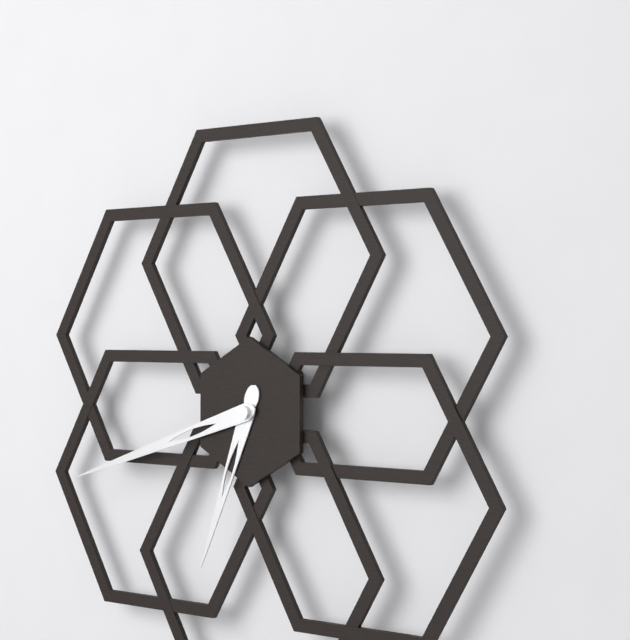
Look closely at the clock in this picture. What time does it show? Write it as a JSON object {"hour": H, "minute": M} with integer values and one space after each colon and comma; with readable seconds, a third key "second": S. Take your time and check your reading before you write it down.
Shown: {"hour": 6, "minute": 42}
